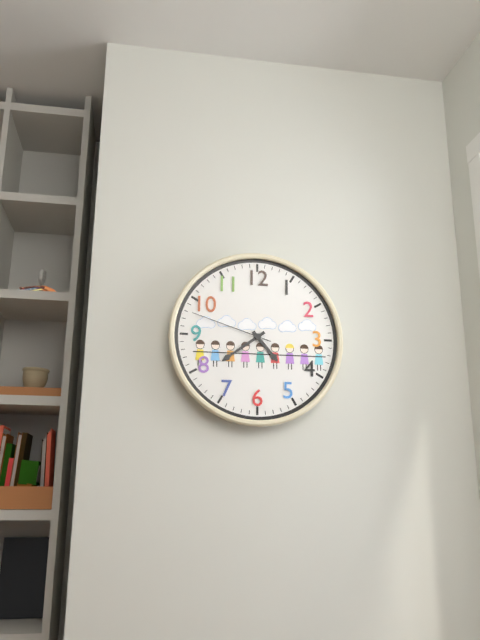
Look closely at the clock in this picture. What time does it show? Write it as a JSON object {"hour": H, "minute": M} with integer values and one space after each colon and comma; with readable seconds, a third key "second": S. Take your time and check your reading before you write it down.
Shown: {"hour": 4, "minute": 39, "second": 48}
